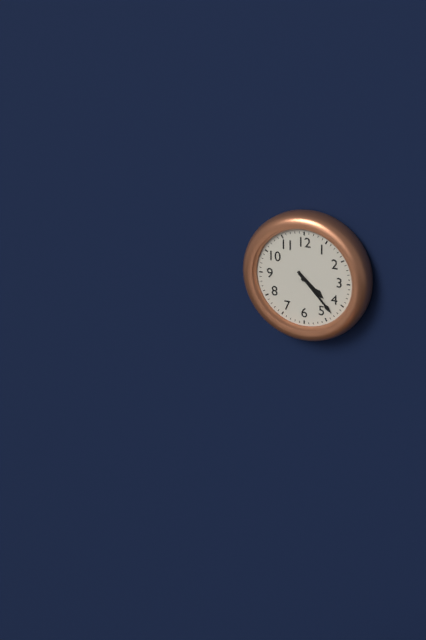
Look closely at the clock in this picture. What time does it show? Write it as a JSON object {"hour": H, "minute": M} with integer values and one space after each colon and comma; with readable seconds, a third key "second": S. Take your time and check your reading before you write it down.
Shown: {"hour": 4, "minute": 23}
